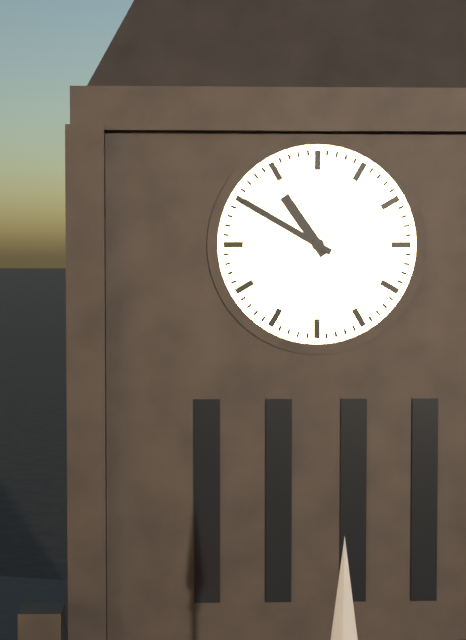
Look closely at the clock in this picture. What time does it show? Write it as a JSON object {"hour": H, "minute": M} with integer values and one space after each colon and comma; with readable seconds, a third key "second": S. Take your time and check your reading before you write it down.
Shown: {"hour": 10, "minute": 50}
